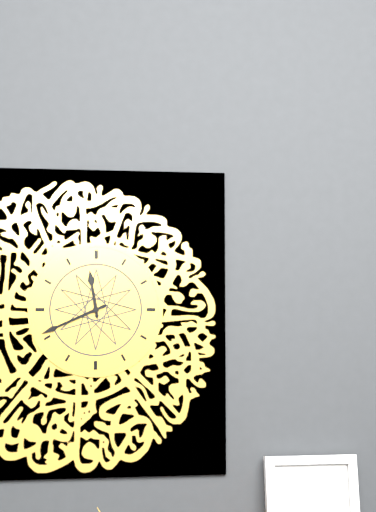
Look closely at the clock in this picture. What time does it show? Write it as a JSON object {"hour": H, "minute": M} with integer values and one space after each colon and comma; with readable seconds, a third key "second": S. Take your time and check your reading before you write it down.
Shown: {"hour": 11, "minute": 41}
